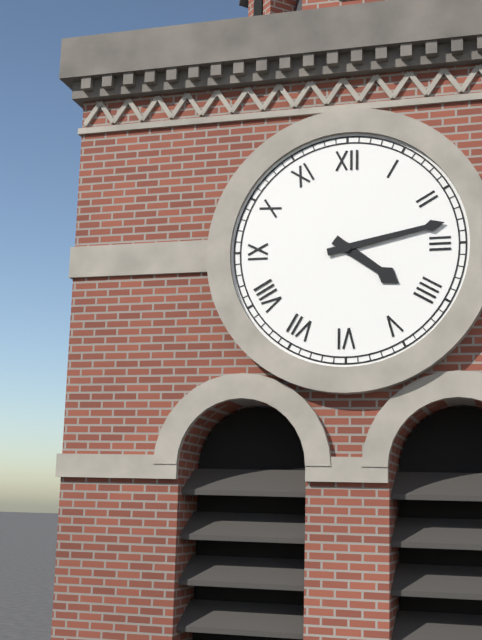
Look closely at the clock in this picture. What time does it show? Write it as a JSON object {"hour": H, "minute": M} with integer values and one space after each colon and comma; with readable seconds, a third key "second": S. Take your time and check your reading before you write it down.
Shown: {"hour": 4, "minute": 13}
